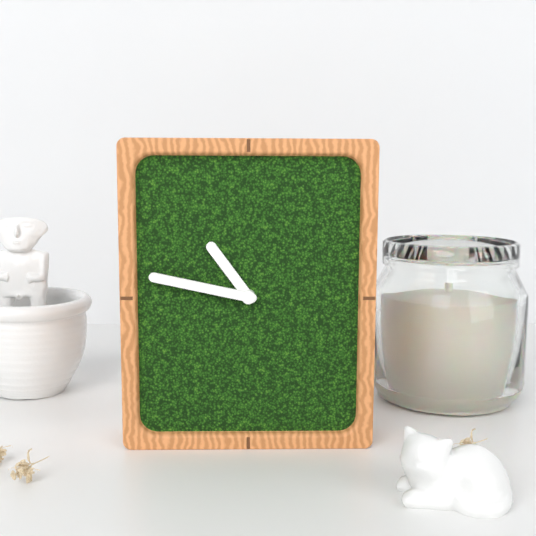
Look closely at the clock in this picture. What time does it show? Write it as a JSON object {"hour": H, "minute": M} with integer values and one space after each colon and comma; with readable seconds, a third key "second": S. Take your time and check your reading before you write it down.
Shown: {"hour": 10, "minute": 47}
